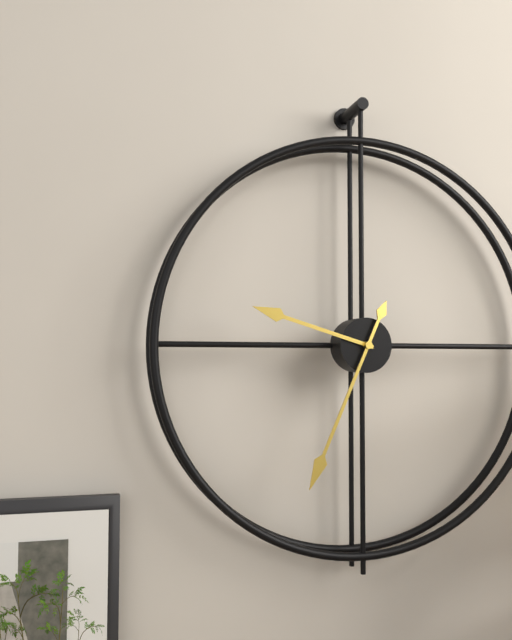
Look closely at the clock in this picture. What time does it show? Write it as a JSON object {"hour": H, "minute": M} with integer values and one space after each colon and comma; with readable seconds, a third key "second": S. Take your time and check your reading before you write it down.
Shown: {"hour": 9, "minute": 34}
